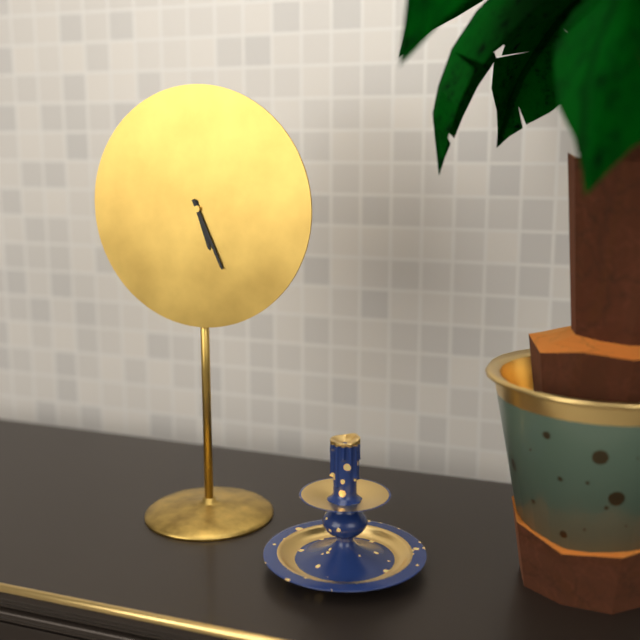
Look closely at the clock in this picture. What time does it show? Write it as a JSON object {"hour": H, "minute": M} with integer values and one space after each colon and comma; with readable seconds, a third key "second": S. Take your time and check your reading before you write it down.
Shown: {"hour": 5, "minute": 26}
